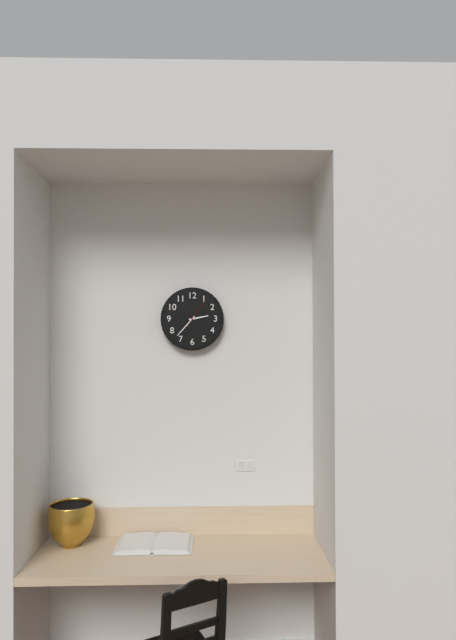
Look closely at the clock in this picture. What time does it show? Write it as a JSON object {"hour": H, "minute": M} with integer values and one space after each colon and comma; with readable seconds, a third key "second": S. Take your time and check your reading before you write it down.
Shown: {"hour": 2, "minute": 37}
